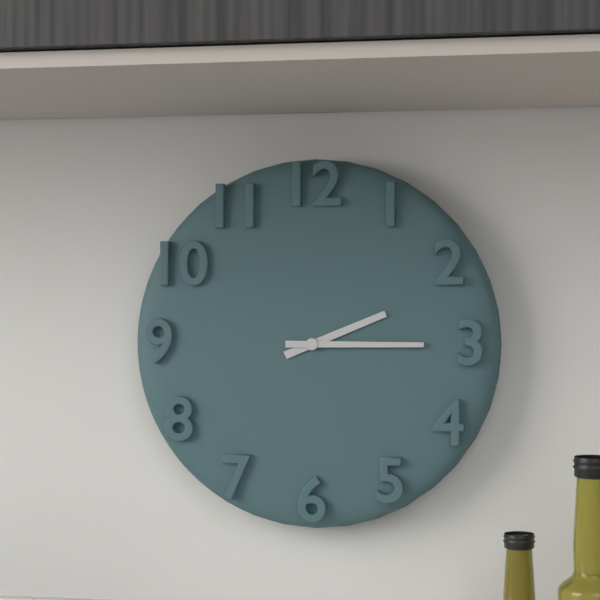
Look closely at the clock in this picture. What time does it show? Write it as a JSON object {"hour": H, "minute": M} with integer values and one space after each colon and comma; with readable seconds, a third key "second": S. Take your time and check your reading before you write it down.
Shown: {"hour": 2, "minute": 15}
